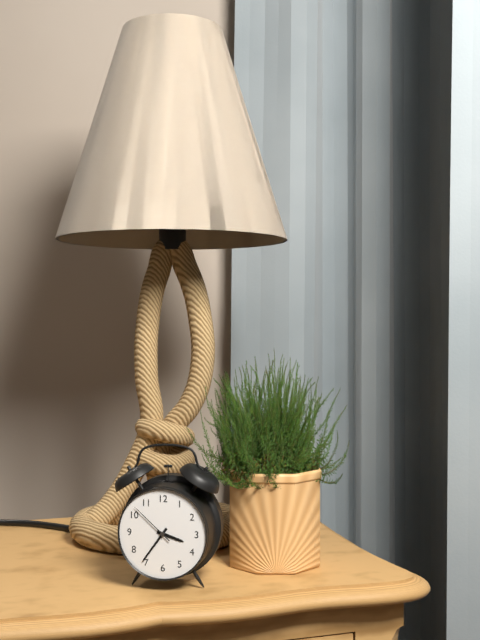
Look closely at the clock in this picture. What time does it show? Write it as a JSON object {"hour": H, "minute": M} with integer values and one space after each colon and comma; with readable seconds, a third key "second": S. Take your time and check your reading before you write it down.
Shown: {"hour": 3, "minute": 36}
